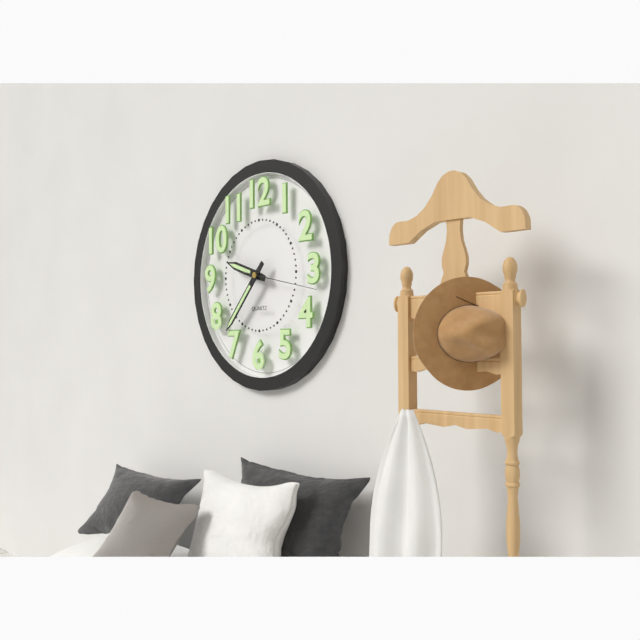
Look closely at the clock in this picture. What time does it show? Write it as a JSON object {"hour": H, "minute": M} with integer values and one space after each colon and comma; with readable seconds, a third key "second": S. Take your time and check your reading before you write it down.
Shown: {"hour": 9, "minute": 37, "second": 17}
